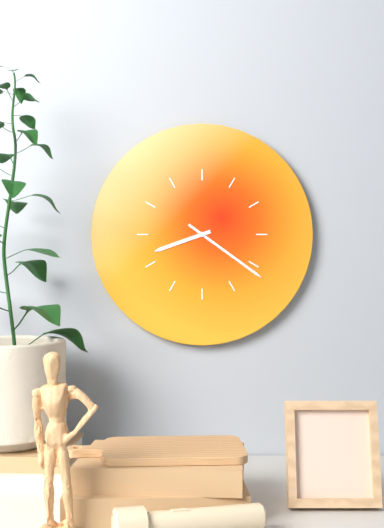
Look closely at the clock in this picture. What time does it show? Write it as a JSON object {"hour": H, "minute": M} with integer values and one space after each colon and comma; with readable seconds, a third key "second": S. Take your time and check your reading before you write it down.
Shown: {"hour": 8, "minute": 21}
